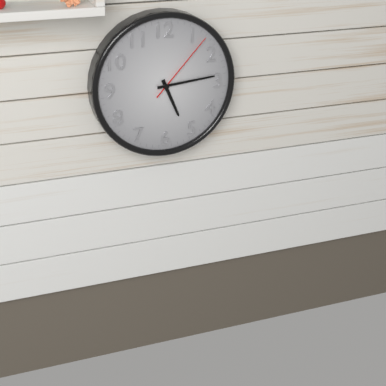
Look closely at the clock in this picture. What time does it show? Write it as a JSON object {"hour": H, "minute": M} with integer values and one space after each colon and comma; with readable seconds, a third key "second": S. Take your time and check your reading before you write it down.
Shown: {"hour": 5, "minute": 14, "second": 7}
